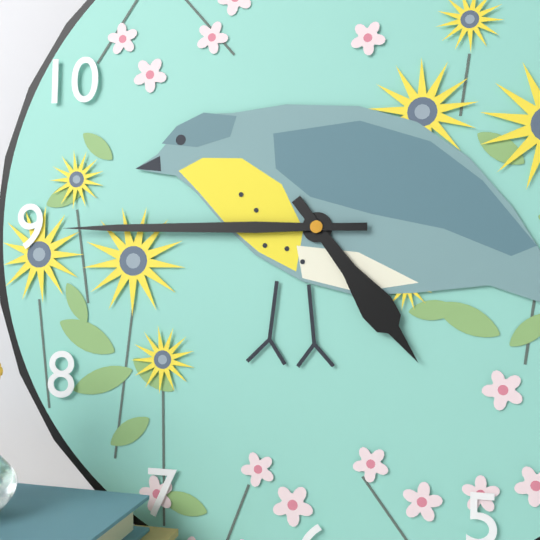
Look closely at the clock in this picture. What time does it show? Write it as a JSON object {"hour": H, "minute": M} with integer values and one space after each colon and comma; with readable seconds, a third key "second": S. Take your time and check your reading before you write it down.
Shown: {"hour": 4, "minute": 45}
